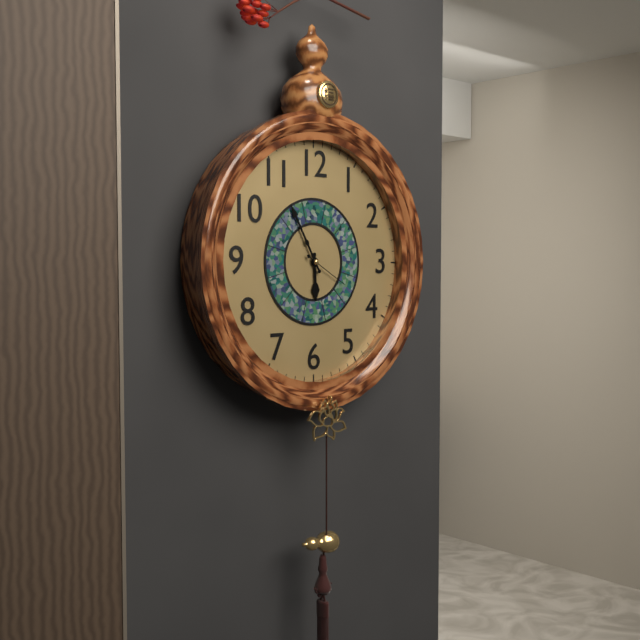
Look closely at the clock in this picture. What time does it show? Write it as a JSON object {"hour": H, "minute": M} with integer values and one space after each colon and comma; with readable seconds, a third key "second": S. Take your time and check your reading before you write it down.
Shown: {"hour": 5, "minute": 55, "second": 20}
